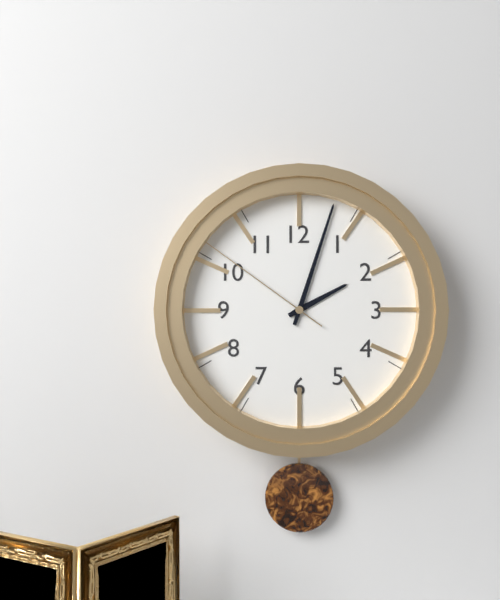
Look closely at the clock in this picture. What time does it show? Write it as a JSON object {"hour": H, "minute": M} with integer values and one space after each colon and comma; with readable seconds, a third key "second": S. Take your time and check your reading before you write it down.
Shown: {"hour": 2, "minute": 3, "second": 51}
